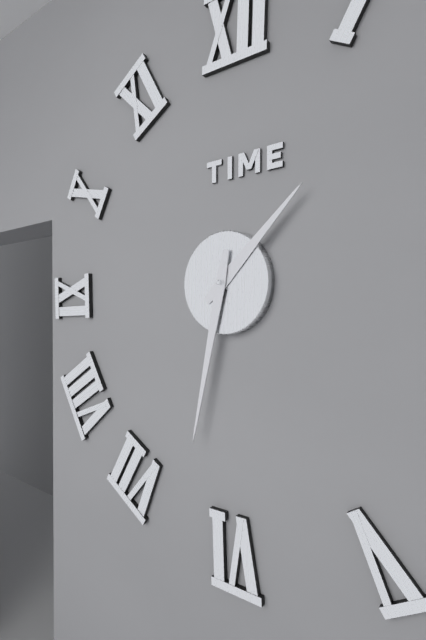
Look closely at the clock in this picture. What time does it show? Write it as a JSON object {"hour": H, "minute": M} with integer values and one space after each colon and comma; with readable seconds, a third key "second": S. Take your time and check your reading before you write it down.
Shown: {"hour": 1, "minute": 32}
